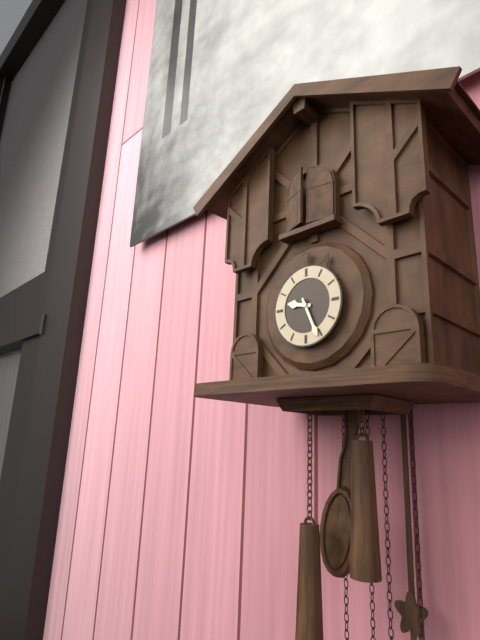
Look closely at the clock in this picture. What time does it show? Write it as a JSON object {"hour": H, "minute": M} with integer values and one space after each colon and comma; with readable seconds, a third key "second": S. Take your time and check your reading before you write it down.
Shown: {"hour": 9, "minute": 26}
